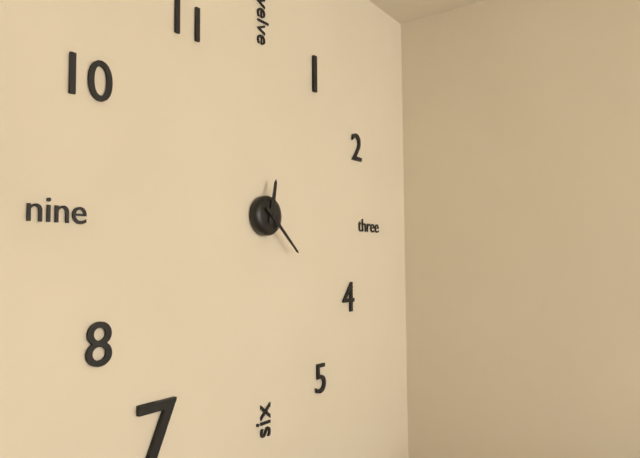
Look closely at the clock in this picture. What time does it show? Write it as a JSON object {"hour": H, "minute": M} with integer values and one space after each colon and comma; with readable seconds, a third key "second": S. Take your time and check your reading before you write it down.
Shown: {"hour": 12, "minute": 22}
